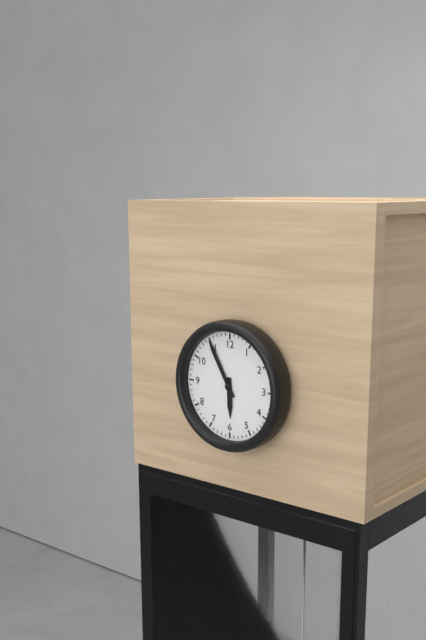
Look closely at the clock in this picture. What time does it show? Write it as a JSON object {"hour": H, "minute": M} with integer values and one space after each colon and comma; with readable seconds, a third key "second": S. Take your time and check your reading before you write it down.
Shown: {"hour": 5, "minute": 55}
